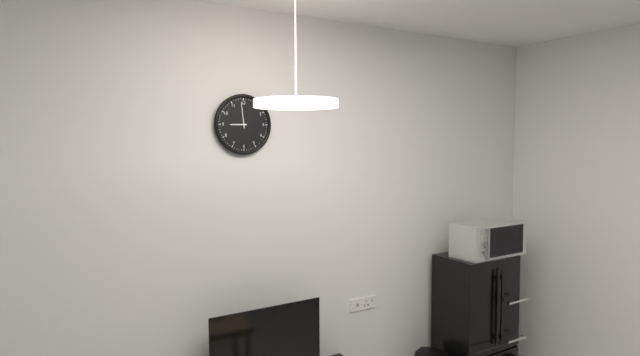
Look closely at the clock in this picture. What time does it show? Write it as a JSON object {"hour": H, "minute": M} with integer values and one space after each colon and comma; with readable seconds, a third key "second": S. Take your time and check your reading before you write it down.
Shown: {"hour": 8, "minute": 59}
